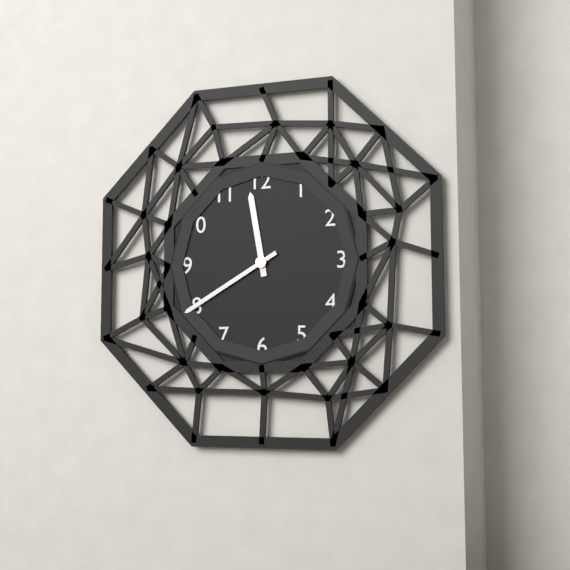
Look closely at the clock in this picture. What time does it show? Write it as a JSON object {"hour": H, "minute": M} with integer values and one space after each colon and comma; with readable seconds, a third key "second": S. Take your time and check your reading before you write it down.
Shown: {"hour": 11, "minute": 40}
